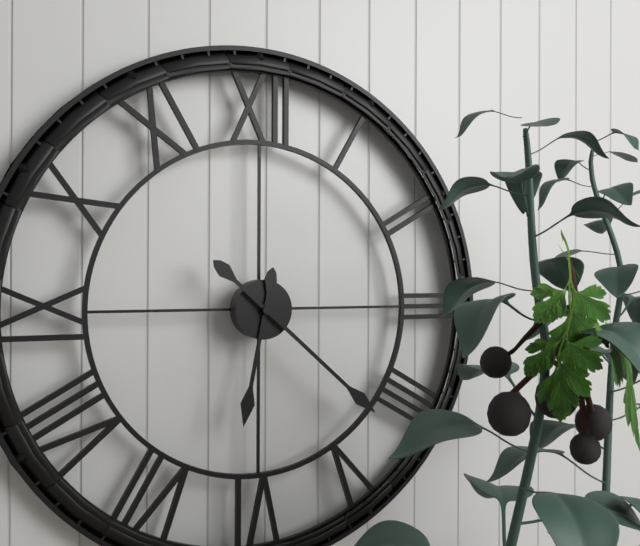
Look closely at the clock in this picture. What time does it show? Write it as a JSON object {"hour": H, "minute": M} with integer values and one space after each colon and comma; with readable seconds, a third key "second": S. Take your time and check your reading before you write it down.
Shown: {"hour": 6, "minute": 22}
